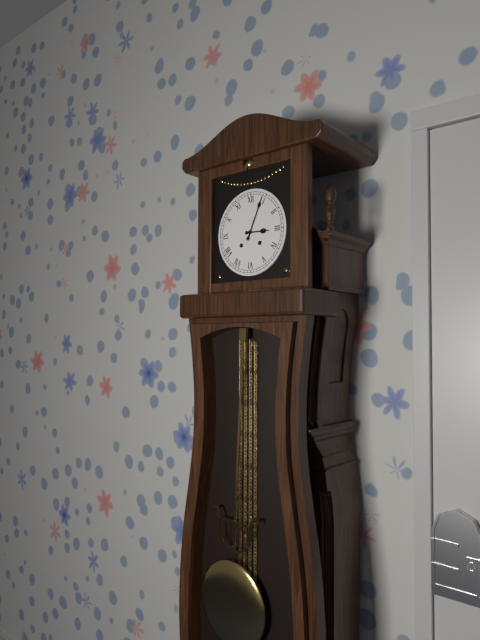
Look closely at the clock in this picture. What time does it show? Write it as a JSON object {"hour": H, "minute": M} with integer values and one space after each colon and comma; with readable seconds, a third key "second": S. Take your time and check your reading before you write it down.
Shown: {"hour": 3, "minute": 4}
